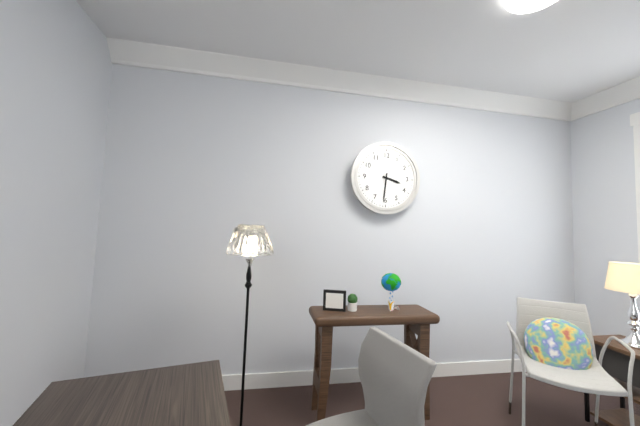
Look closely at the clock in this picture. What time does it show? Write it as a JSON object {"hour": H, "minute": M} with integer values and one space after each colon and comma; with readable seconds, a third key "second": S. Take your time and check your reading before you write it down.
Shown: {"hour": 3, "minute": 31}
